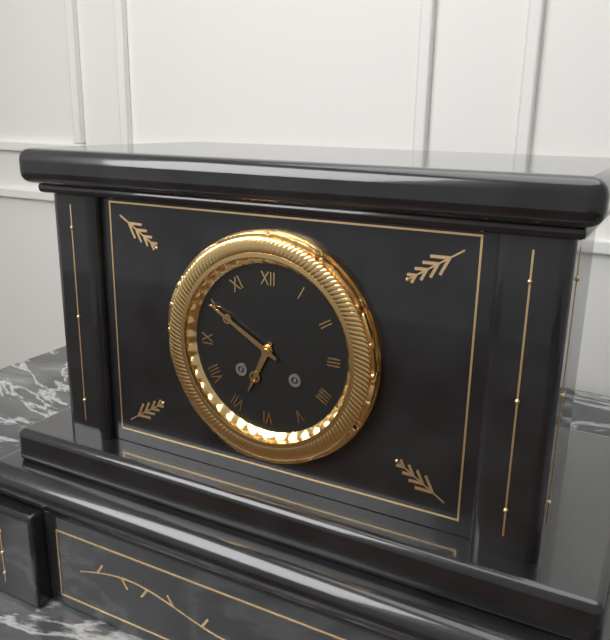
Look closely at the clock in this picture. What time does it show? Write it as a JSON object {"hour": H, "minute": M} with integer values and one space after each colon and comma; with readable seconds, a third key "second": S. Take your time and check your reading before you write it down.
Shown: {"hour": 6, "minute": 50}
